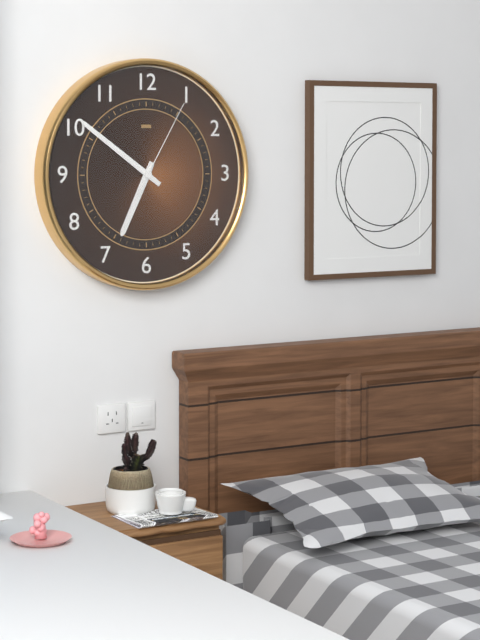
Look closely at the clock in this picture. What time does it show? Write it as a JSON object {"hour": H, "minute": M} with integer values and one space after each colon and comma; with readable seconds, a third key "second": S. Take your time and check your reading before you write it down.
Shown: {"hour": 6, "minute": 51, "second": 5}
